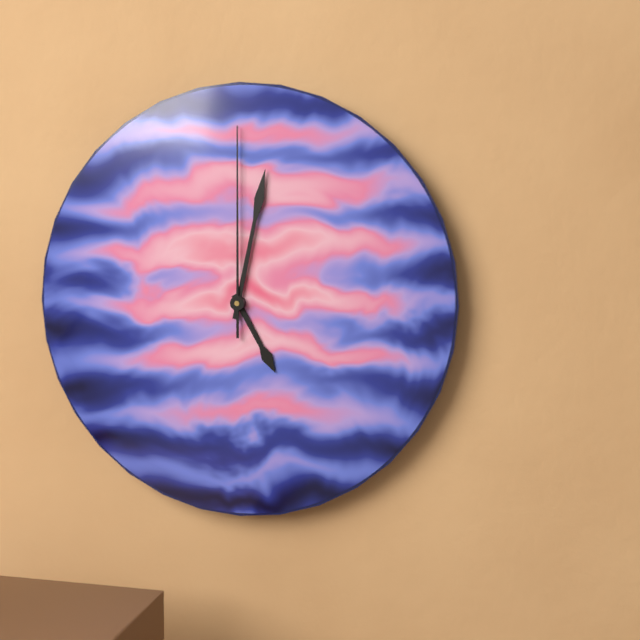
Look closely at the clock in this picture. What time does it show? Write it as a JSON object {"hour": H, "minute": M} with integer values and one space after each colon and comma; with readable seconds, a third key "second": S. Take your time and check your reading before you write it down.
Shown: {"hour": 5, "minute": 2, "second": 0}
